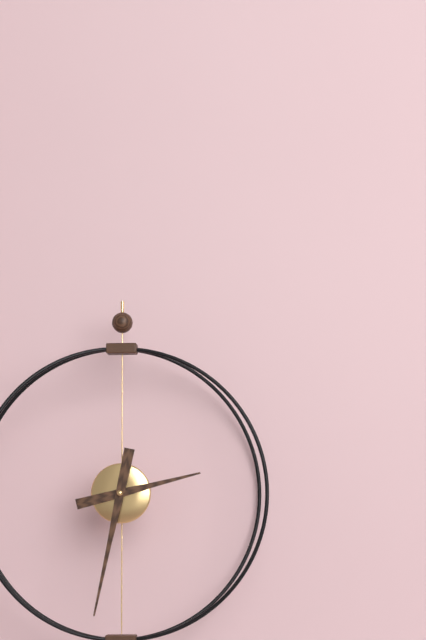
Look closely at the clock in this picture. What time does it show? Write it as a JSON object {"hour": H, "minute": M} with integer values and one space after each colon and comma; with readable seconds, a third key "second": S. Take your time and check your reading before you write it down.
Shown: {"hour": 2, "minute": 32}
